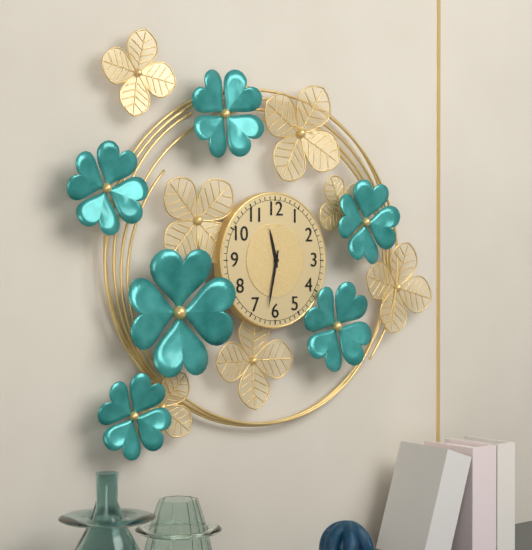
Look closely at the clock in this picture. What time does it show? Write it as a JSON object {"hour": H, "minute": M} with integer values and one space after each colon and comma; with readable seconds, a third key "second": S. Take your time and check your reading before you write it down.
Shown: {"hour": 11, "minute": 32}
